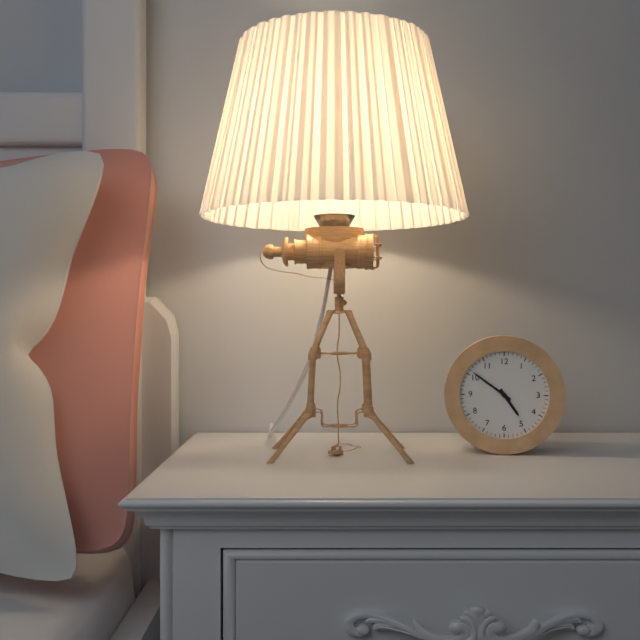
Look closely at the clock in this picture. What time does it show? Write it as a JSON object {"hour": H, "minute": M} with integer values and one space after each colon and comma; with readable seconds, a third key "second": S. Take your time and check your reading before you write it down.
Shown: {"hour": 4, "minute": 51}
